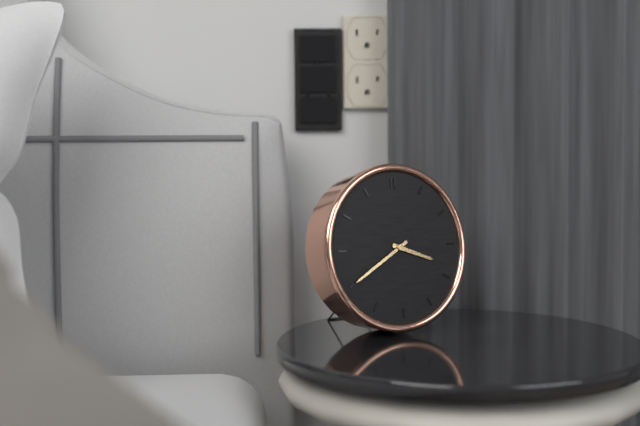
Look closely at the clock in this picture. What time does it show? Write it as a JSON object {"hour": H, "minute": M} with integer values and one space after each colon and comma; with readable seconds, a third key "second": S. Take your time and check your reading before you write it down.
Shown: {"hour": 3, "minute": 40}
